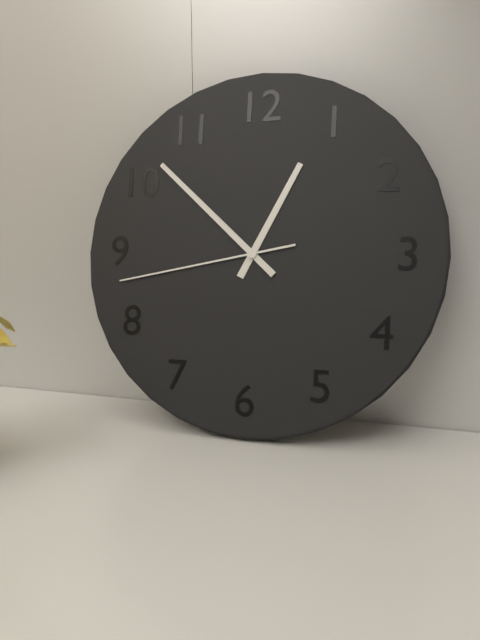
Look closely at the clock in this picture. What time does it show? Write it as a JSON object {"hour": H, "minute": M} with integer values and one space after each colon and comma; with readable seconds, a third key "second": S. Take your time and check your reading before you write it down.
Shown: {"hour": 12, "minute": 52, "second": 43}
